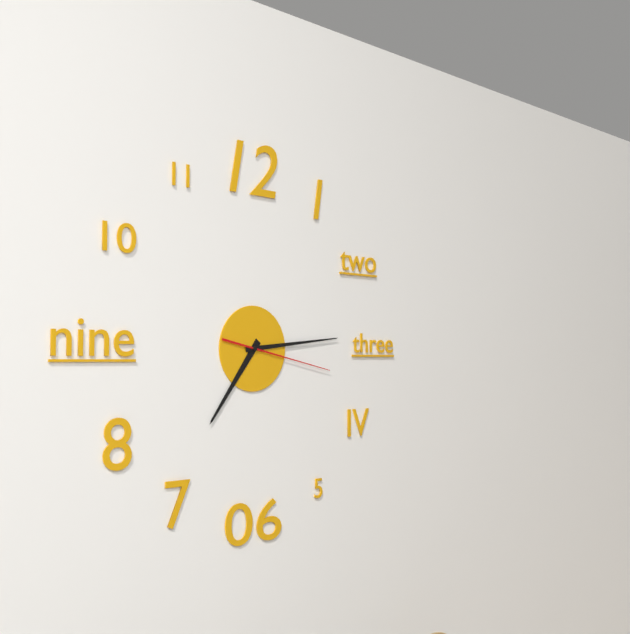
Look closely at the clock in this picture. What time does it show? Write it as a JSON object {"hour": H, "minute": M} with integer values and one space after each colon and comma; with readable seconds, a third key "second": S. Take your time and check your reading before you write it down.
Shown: {"hour": 7, "minute": 14, "second": 17}
